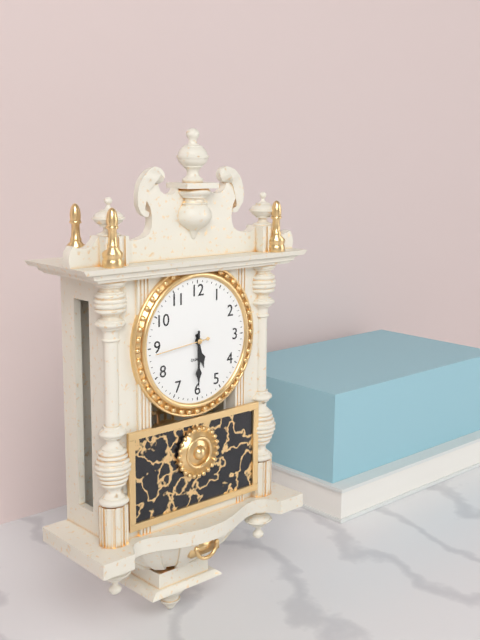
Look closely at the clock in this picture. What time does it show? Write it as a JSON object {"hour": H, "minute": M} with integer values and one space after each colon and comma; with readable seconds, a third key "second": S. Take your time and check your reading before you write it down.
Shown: {"hour": 5, "minute": 30, "second": 44}
